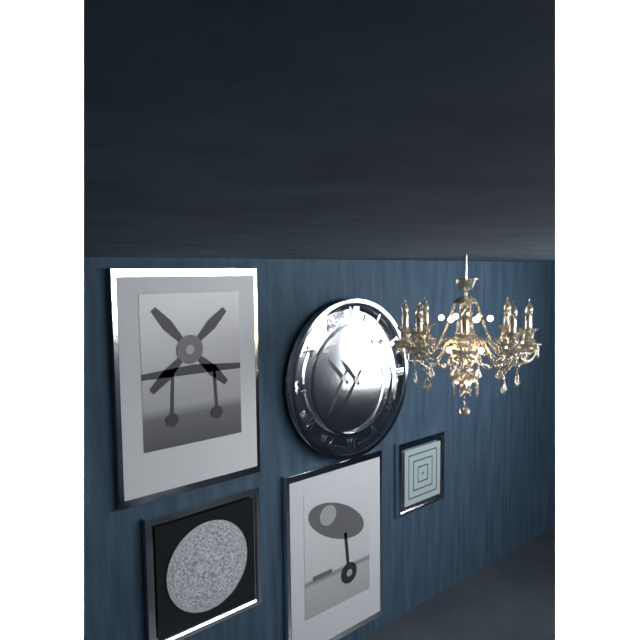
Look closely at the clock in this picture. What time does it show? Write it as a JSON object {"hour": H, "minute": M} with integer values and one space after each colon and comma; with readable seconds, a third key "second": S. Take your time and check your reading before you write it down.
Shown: {"hour": 10, "minute": 36}
